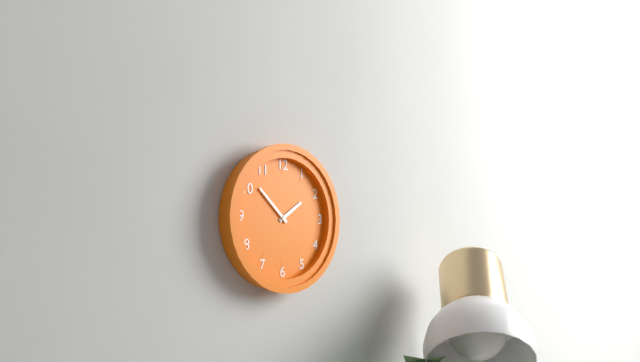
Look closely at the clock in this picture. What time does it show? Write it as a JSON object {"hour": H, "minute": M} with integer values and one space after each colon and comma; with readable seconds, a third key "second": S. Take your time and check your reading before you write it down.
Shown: {"hour": 1, "minute": 52}
